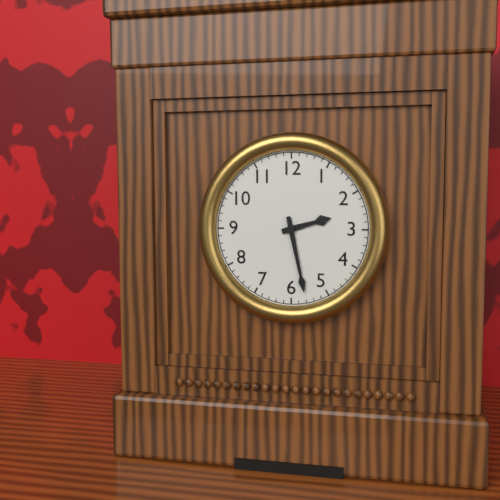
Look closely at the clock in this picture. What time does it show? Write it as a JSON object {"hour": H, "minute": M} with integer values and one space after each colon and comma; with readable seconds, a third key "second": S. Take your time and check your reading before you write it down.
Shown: {"hour": 2, "minute": 28}
